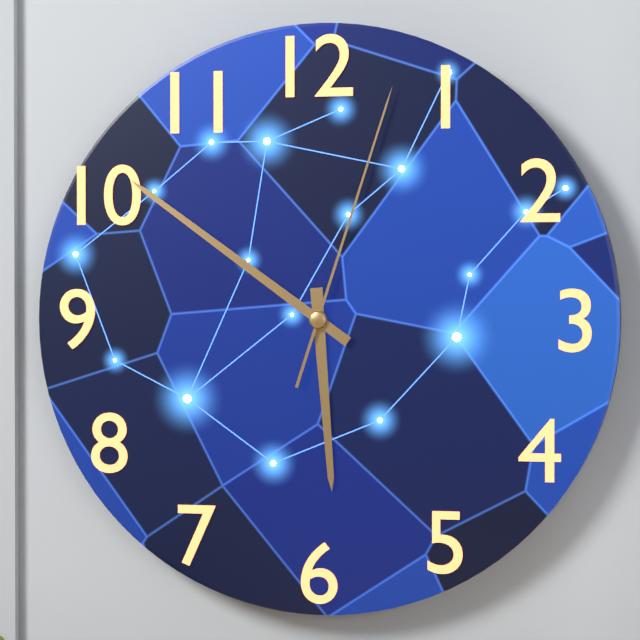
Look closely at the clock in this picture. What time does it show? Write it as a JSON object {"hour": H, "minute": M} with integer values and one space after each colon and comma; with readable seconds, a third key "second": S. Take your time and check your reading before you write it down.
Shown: {"hour": 5, "minute": 51, "second": 3}
